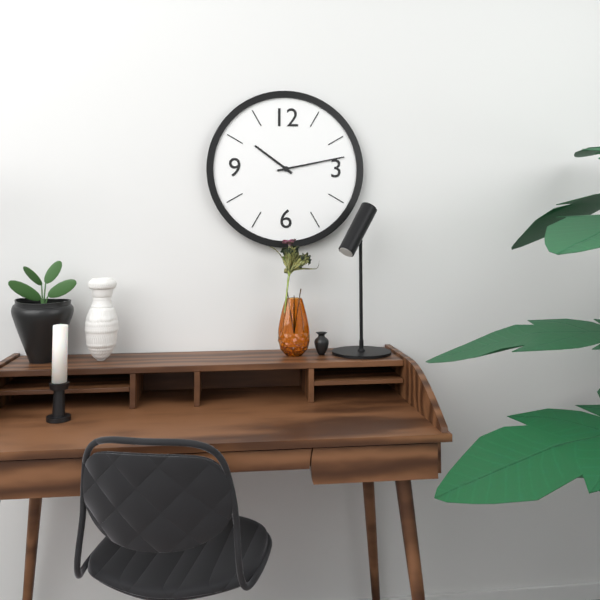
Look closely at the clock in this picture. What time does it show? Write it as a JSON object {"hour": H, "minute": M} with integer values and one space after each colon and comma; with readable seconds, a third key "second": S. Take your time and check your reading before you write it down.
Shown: {"hour": 10, "minute": 13}
